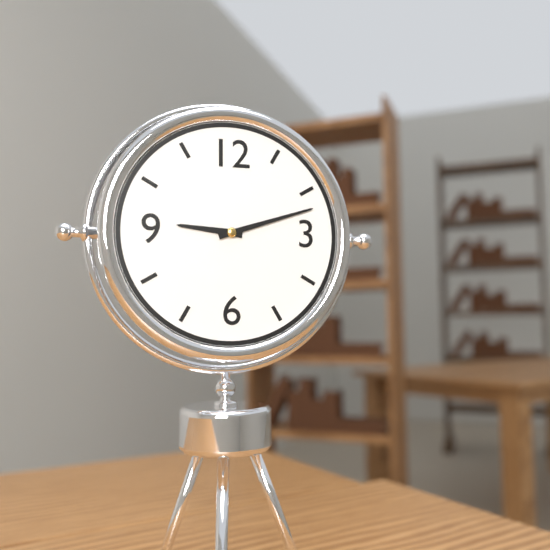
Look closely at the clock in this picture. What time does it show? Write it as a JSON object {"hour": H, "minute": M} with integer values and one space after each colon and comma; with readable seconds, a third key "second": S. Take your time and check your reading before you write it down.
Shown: {"hour": 9, "minute": 12}
